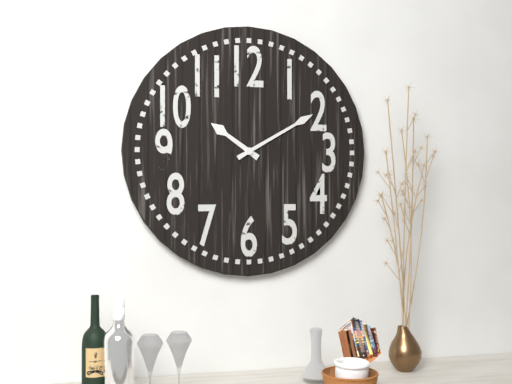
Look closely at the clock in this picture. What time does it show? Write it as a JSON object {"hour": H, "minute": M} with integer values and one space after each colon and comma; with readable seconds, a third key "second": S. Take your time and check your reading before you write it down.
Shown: {"hour": 10, "minute": 10}
